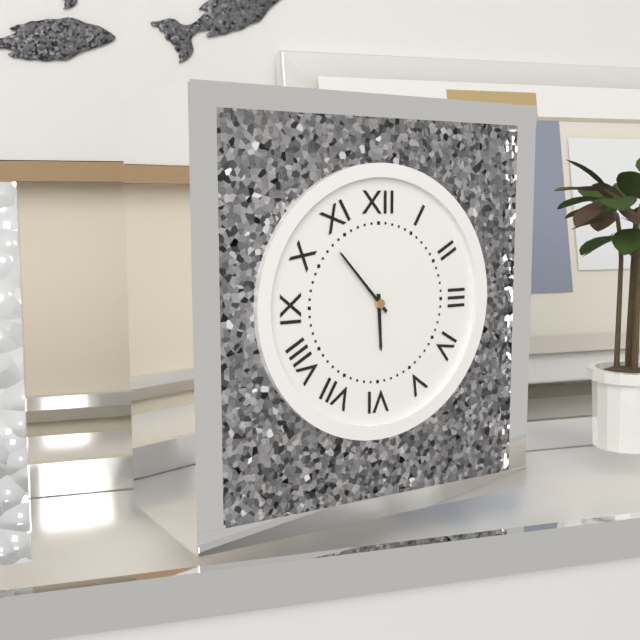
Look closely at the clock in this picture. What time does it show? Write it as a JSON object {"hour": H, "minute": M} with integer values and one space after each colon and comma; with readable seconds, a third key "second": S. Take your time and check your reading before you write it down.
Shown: {"hour": 5, "minute": 53}
